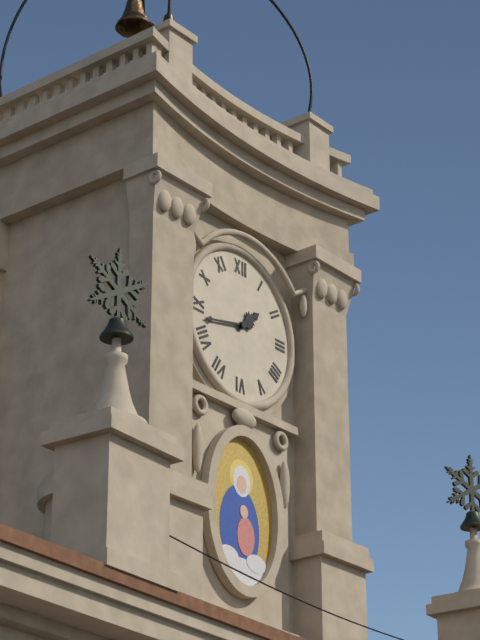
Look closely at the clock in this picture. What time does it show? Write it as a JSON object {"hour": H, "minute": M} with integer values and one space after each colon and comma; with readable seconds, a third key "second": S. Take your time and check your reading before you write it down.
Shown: {"hour": 1, "minute": 43}
